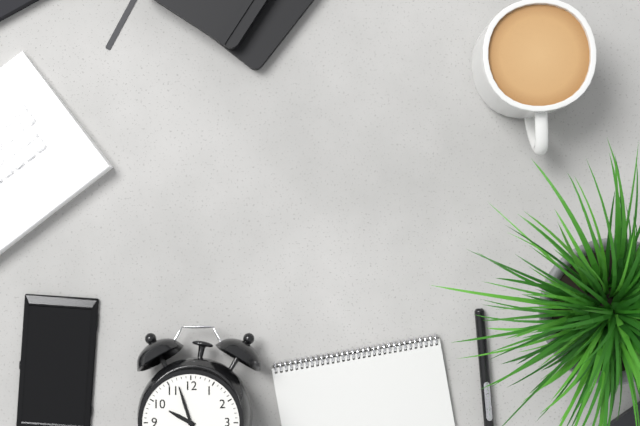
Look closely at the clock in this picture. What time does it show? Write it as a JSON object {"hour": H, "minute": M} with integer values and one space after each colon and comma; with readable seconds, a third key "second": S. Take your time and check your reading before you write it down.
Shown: {"hour": 9, "minute": 57}
